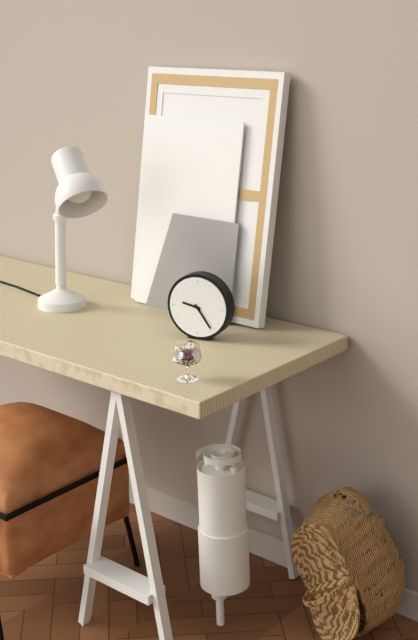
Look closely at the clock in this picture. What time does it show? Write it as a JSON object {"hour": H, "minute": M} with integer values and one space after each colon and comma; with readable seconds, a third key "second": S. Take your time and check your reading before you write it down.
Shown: {"hour": 9, "minute": 24}
